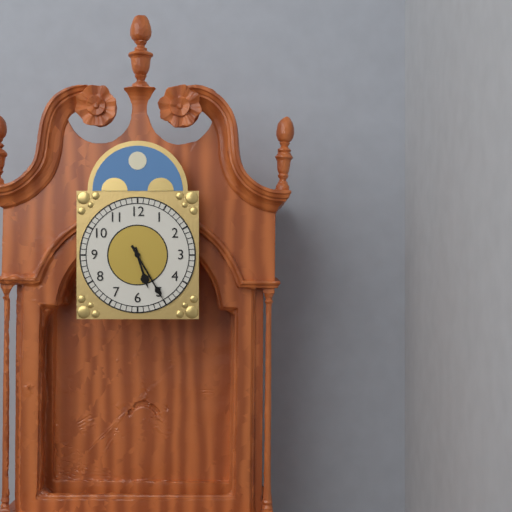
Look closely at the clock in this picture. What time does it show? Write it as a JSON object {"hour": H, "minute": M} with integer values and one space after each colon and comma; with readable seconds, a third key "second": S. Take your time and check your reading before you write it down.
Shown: {"hour": 5, "minute": 25}
